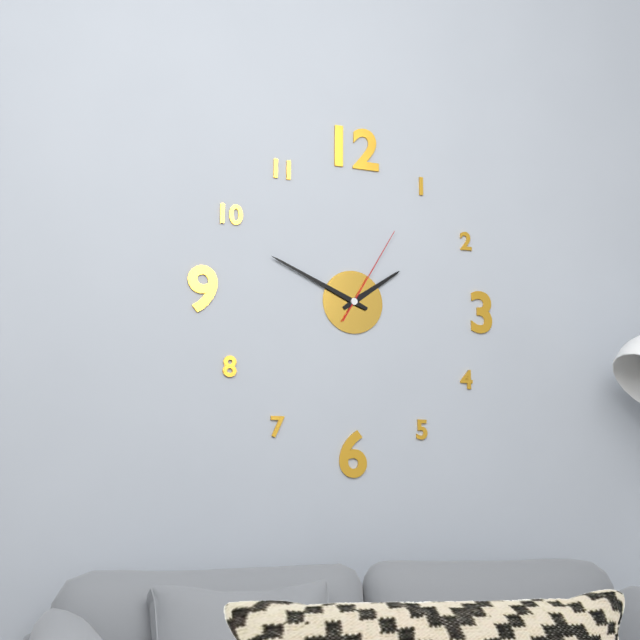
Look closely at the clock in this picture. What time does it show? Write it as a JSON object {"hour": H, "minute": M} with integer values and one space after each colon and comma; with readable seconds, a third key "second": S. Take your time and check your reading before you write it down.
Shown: {"hour": 1, "minute": 49, "second": 5}
